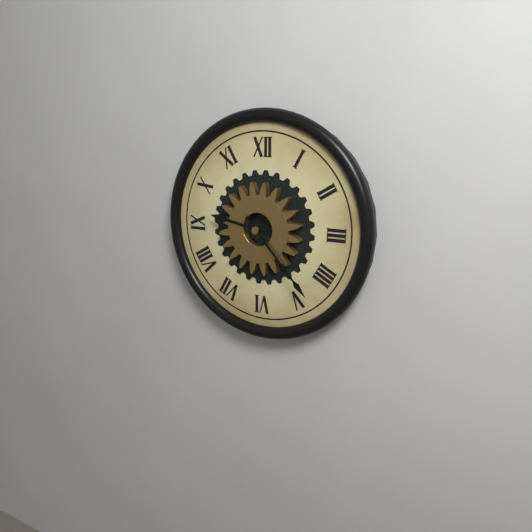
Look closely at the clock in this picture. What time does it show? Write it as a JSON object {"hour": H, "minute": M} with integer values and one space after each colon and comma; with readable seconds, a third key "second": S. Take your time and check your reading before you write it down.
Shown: {"hour": 9, "minute": 23}
